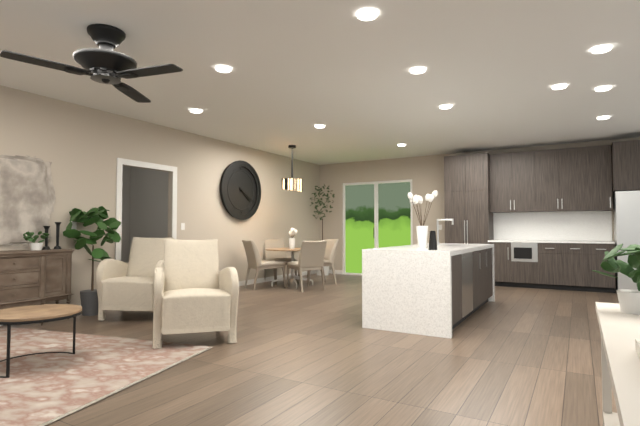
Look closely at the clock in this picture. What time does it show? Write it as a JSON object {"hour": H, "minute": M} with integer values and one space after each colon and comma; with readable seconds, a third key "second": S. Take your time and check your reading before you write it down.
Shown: {"hour": 4, "minute": 20}
